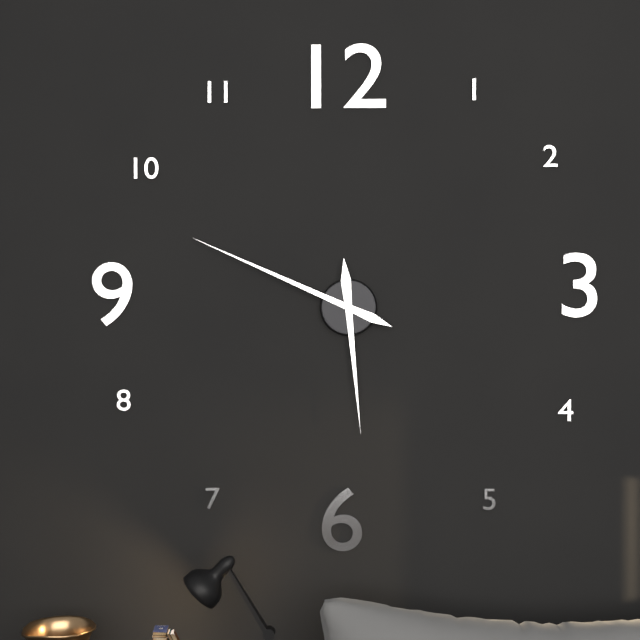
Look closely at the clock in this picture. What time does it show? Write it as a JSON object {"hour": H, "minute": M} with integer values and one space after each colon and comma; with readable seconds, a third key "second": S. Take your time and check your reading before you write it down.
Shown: {"hour": 5, "minute": 49}
